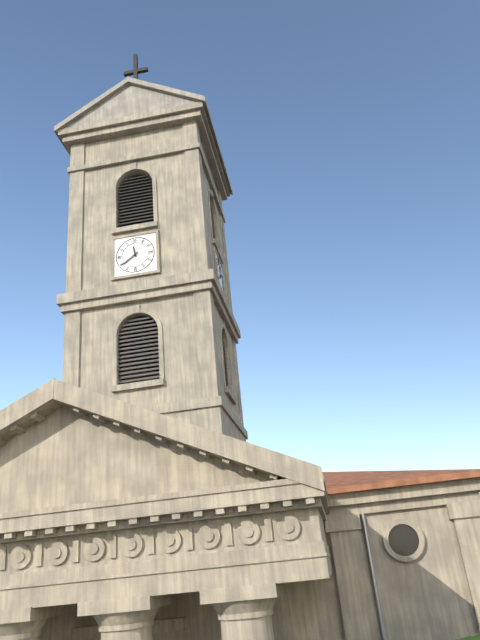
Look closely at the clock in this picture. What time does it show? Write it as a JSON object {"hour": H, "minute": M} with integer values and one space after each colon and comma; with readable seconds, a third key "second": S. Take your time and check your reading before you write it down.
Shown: {"hour": 11, "minute": 39}
